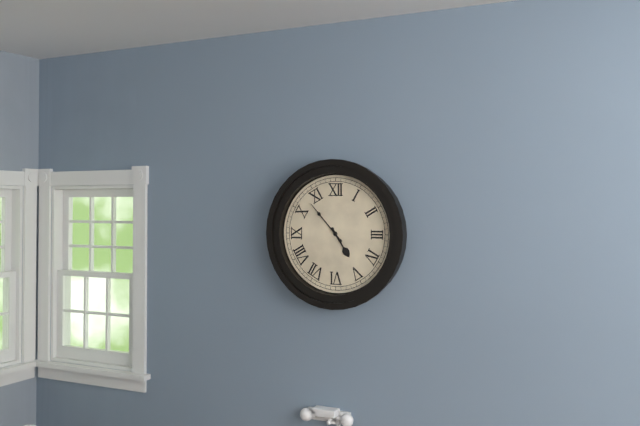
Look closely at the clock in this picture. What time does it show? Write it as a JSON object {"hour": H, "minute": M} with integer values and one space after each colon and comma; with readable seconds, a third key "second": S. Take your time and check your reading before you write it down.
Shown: {"hour": 4, "minute": 53}
